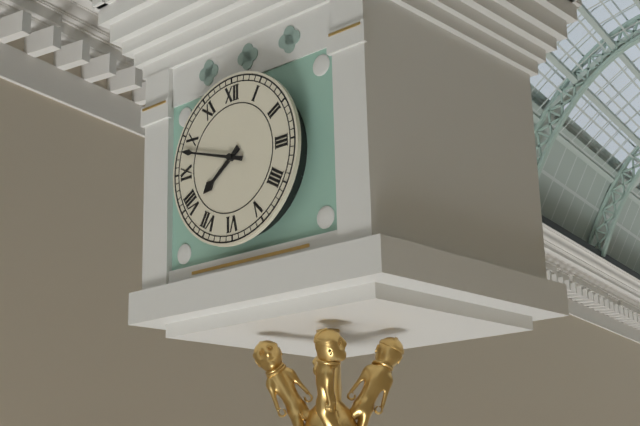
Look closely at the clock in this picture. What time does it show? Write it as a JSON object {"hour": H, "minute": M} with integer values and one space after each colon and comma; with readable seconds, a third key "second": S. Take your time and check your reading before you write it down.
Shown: {"hour": 7, "minute": 48}
